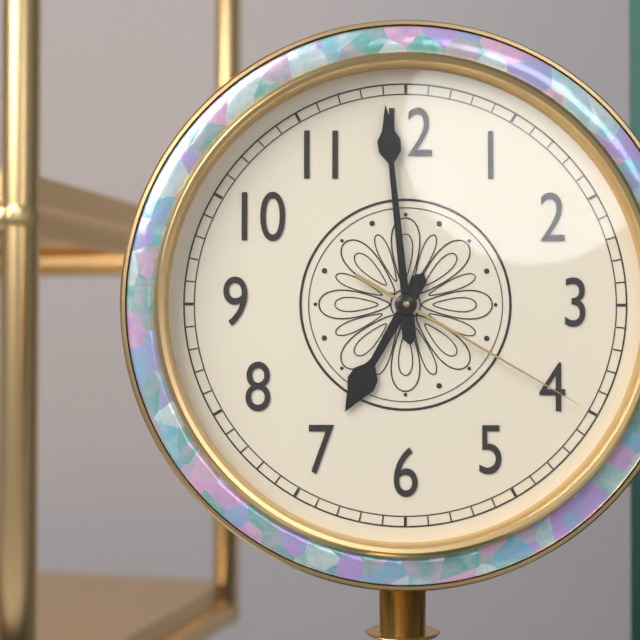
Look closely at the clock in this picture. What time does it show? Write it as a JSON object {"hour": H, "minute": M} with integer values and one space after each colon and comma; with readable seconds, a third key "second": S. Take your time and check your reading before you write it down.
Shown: {"hour": 6, "minute": 59, "second": 20}
